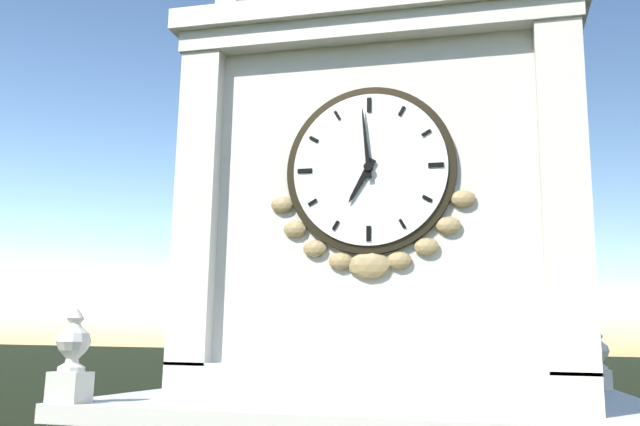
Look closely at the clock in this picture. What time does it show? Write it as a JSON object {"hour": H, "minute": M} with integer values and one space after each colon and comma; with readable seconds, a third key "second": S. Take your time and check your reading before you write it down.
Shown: {"hour": 6, "minute": 59}
